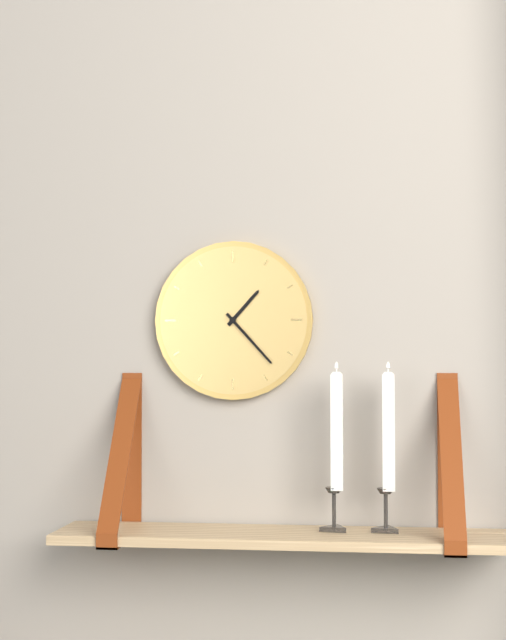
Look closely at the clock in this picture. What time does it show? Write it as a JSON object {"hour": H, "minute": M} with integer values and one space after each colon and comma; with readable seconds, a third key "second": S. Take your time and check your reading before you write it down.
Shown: {"hour": 1, "minute": 23}
